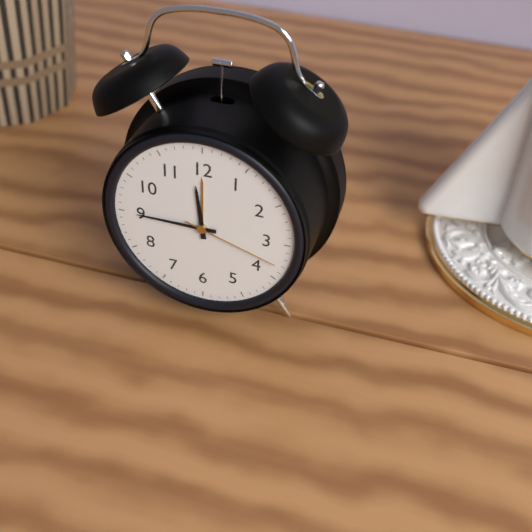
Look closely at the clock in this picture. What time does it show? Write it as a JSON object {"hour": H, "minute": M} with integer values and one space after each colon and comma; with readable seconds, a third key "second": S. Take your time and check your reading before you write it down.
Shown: {"hour": 11, "minute": 45, "second": 18}
